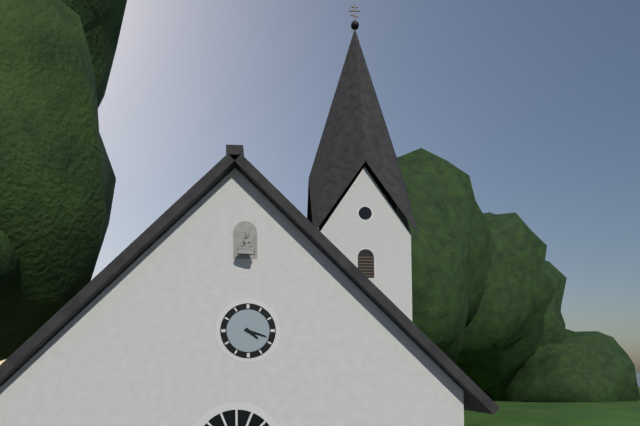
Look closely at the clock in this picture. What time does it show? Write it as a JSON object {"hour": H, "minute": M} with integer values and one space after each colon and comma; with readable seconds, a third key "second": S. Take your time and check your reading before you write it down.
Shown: {"hour": 4, "minute": 18}
